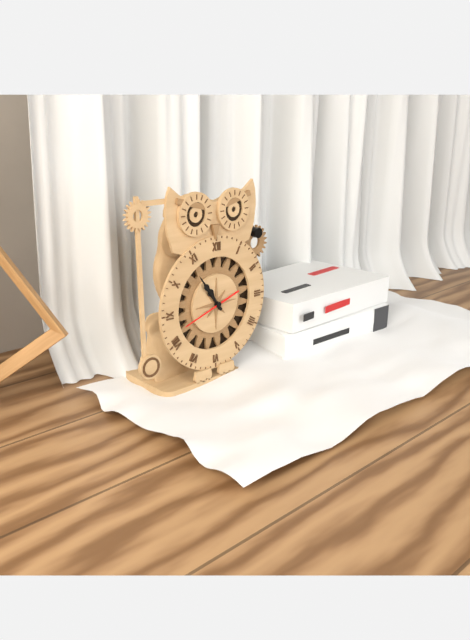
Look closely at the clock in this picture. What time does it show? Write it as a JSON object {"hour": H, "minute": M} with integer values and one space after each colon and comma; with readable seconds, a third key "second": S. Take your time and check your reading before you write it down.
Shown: {"hour": 10, "minute": 54}
